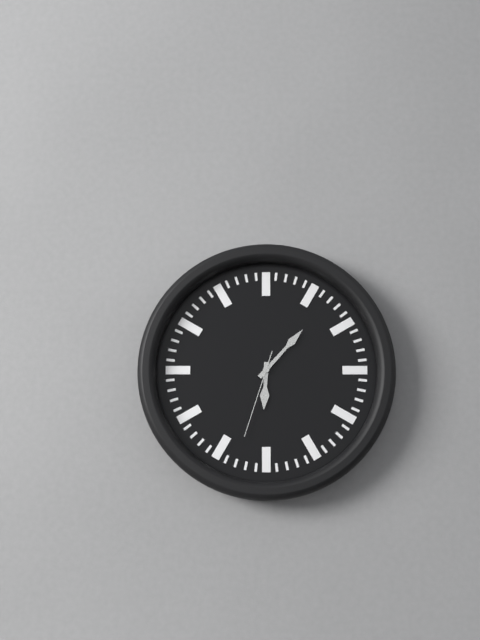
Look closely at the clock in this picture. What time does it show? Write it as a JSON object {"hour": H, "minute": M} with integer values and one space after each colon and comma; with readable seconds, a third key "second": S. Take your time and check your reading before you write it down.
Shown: {"hour": 6, "minute": 7, "second": 33}
